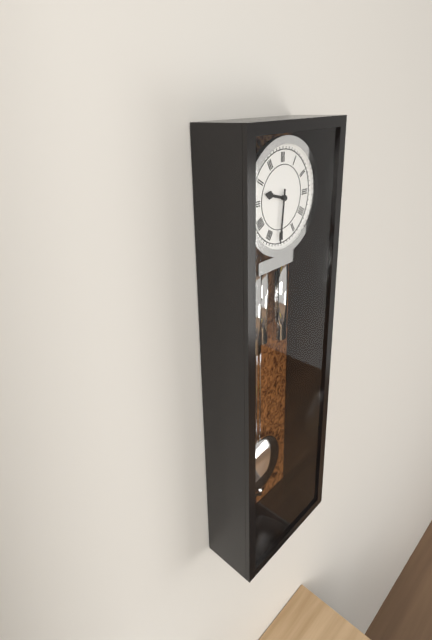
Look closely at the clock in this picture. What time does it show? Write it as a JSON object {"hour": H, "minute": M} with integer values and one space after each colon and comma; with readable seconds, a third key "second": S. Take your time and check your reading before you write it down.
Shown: {"hour": 9, "minute": 31}
